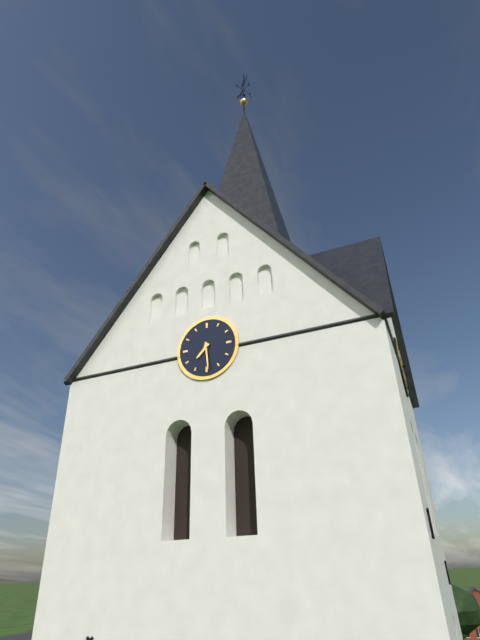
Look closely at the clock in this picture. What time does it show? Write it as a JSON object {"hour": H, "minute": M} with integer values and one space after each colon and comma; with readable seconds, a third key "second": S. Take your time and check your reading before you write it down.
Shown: {"hour": 7, "minute": 29}
